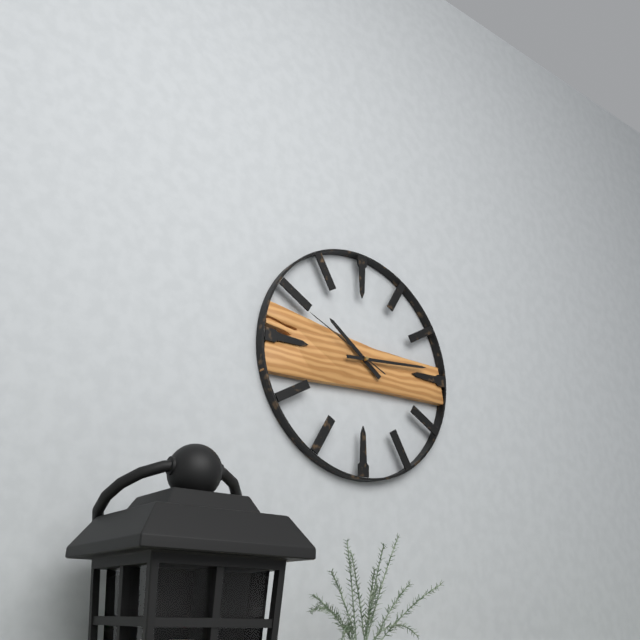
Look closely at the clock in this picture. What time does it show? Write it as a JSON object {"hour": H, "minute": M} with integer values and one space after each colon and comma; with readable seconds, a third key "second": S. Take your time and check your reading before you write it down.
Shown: {"hour": 10, "minute": 14, "second": 49}
